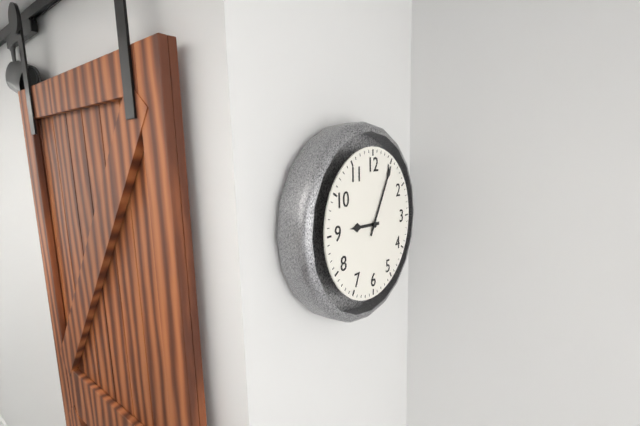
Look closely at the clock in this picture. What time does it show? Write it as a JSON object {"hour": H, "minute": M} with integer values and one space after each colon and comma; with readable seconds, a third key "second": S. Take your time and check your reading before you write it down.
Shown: {"hour": 9, "minute": 5}
